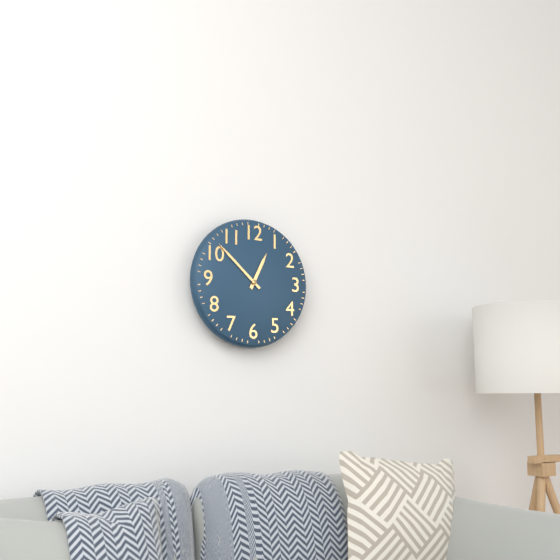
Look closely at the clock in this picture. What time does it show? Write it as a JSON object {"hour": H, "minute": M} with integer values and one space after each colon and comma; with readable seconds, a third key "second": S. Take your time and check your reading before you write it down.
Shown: {"hour": 12, "minute": 52}
